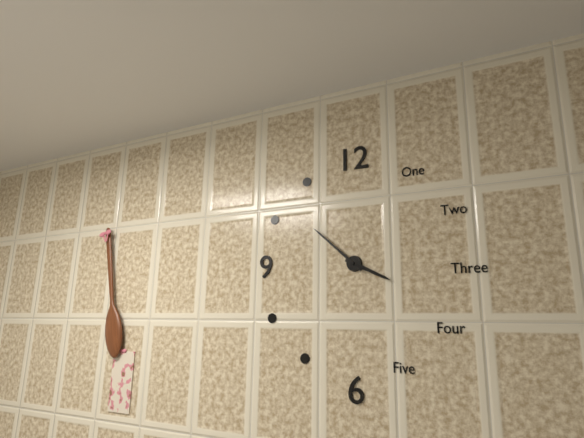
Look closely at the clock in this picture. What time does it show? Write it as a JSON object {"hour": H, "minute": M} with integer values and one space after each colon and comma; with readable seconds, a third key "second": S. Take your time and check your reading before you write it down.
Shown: {"hour": 3, "minute": 52}
